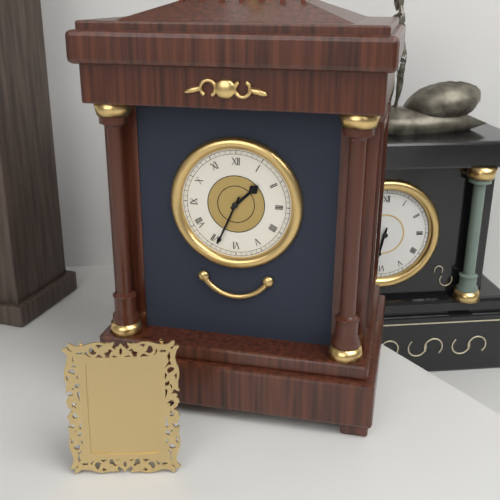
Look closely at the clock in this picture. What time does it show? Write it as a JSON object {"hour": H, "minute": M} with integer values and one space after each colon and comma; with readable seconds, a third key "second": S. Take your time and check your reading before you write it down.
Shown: {"hour": 1, "minute": 34}
